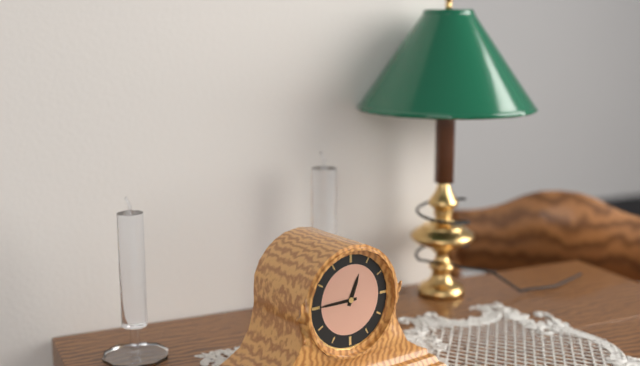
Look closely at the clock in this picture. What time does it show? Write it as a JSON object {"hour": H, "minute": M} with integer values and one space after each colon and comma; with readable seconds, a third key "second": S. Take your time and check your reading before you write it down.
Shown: {"hour": 12, "minute": 45}
